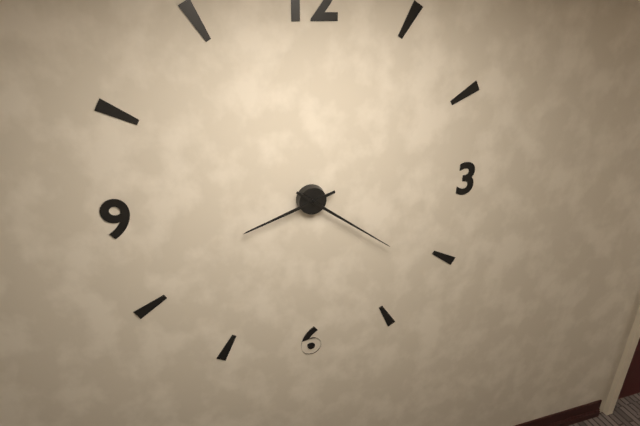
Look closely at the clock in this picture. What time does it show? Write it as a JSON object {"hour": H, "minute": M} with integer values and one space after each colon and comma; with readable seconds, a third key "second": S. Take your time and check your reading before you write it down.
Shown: {"hour": 8, "minute": 21}
